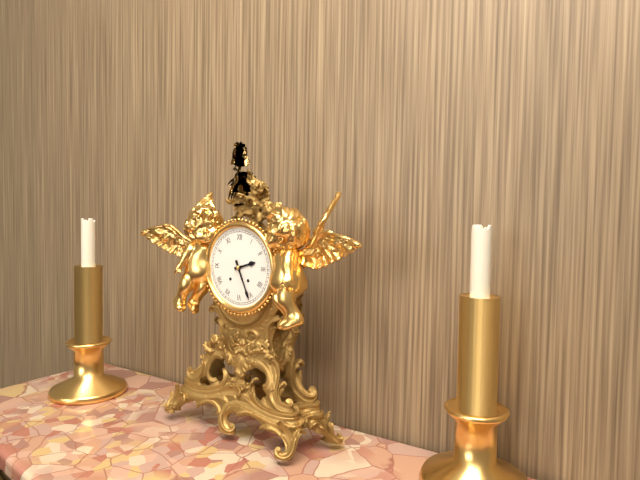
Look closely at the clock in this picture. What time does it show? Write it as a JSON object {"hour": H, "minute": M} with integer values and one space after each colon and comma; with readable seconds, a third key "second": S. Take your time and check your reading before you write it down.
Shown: {"hour": 2, "minute": 26}
